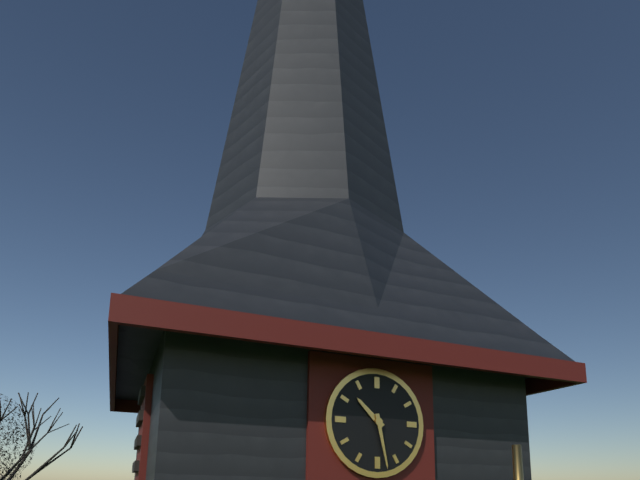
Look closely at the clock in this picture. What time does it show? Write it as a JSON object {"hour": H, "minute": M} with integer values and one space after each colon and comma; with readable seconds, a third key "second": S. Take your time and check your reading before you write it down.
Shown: {"hour": 10, "minute": 28}
